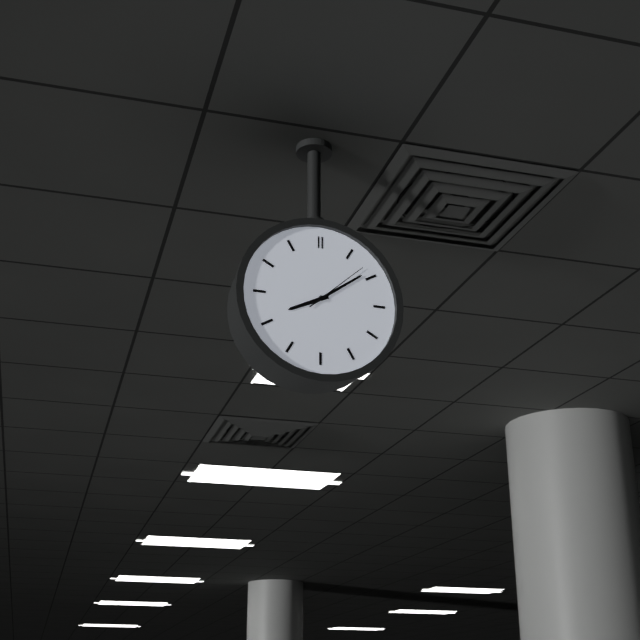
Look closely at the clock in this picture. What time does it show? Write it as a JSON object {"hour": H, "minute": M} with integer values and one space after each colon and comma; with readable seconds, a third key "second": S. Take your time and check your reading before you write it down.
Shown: {"hour": 8, "minute": 9, "second": 8}
